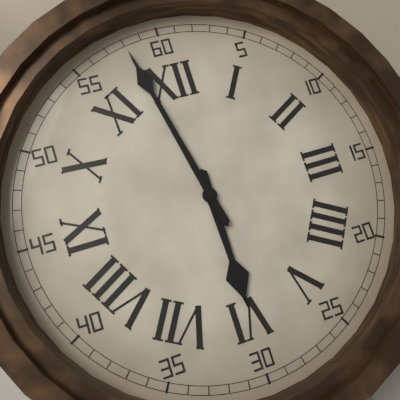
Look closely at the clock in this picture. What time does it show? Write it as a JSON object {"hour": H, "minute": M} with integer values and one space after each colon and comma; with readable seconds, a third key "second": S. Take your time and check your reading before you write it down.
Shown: {"hour": 5, "minute": 58}
